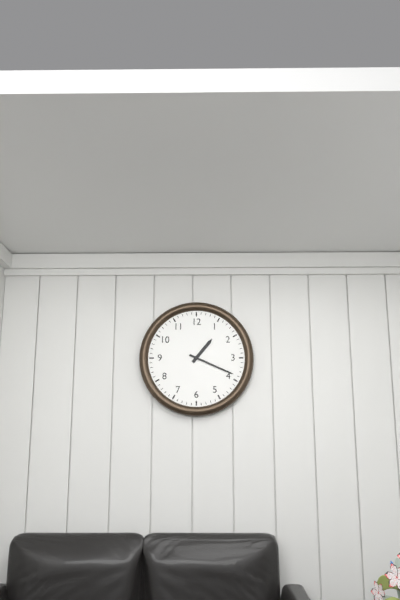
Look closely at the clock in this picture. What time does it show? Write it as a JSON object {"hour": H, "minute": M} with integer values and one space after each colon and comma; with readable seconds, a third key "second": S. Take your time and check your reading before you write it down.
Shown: {"hour": 1, "minute": 19}
